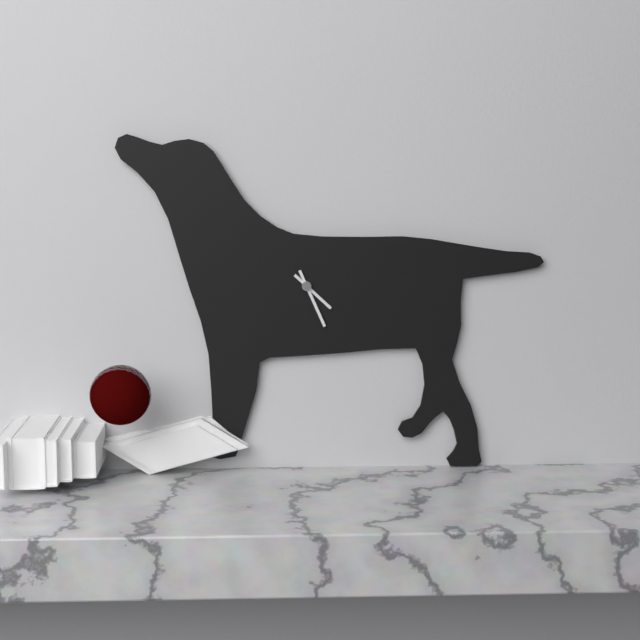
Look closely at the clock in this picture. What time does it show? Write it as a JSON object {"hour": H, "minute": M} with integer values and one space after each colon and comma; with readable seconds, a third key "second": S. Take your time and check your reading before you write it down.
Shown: {"hour": 4, "minute": 26}
